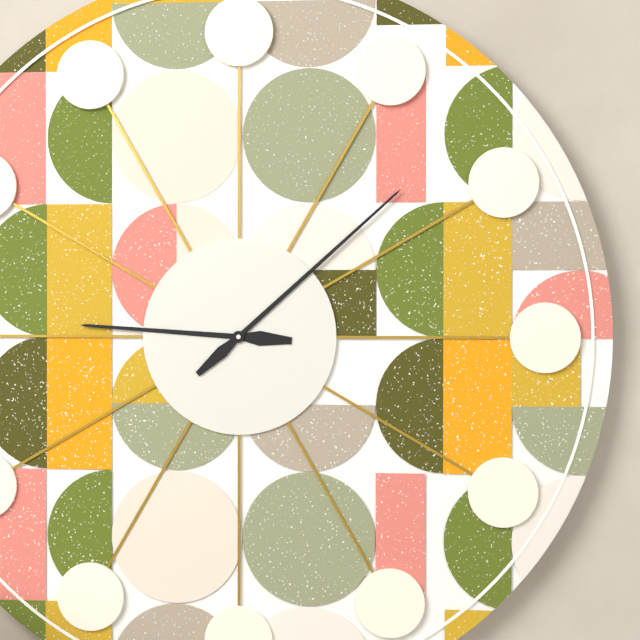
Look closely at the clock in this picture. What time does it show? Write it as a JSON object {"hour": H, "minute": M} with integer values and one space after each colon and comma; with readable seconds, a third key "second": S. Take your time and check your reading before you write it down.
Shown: {"hour": 9, "minute": 8}
